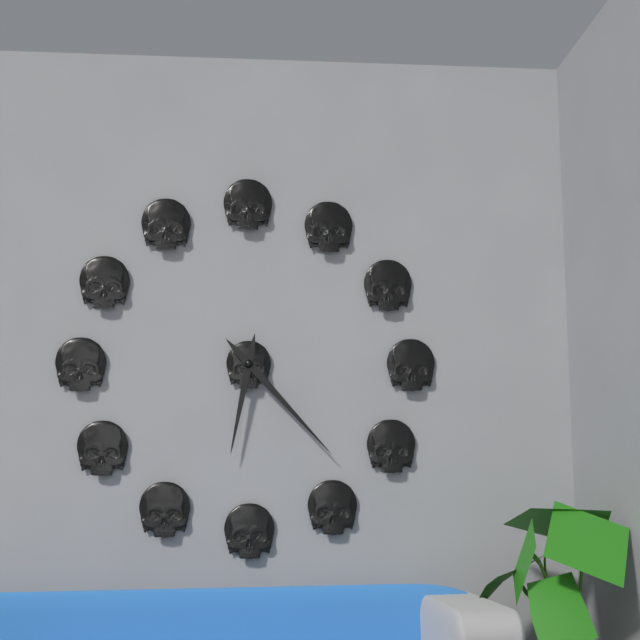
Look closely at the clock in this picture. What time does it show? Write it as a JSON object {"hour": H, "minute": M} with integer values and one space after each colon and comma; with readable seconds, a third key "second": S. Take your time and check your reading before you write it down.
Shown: {"hour": 6, "minute": 23}
